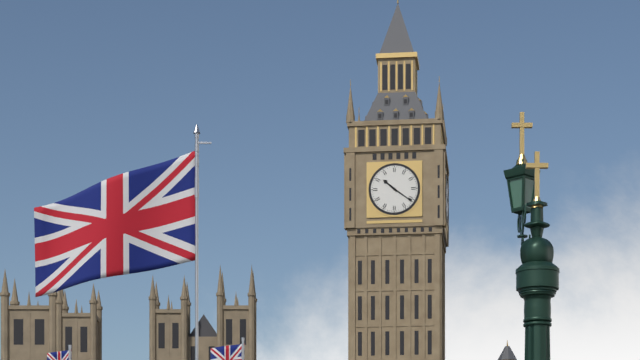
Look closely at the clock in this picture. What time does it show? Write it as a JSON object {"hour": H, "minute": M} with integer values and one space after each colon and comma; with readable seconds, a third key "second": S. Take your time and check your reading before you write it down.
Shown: {"hour": 10, "minute": 21}
